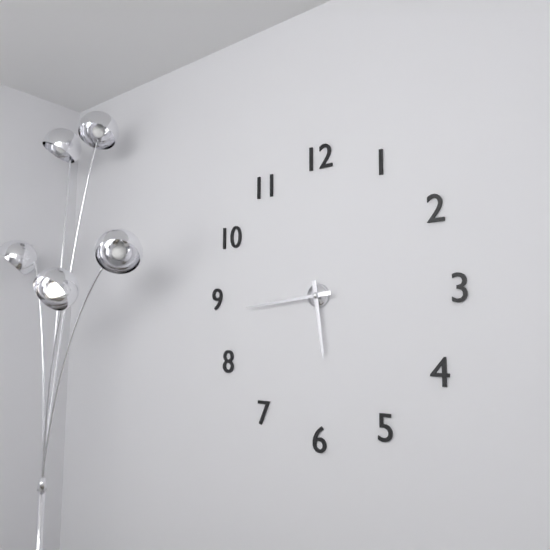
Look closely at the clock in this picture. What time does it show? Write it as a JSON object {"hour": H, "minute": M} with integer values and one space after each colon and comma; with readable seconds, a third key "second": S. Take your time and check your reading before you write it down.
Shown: {"hour": 5, "minute": 44}
